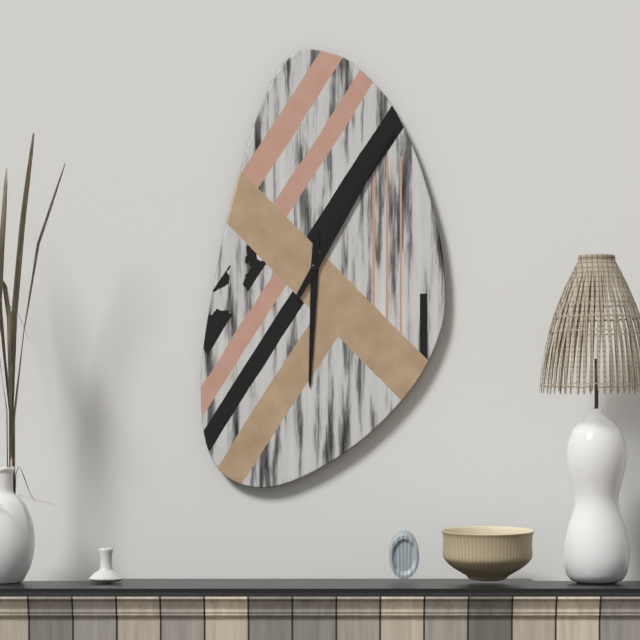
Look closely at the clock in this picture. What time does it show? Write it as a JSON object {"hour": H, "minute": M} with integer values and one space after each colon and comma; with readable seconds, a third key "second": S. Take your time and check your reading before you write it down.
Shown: {"hour": 6, "minute": 5}
